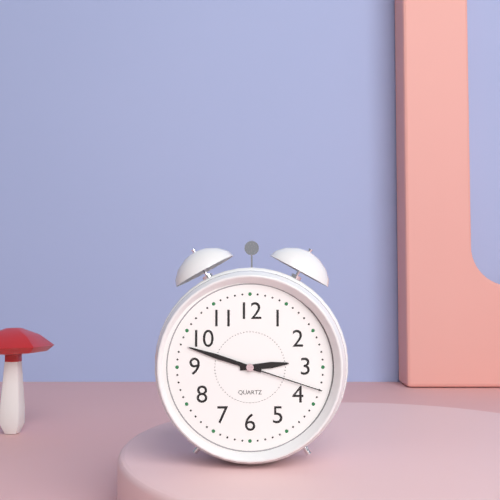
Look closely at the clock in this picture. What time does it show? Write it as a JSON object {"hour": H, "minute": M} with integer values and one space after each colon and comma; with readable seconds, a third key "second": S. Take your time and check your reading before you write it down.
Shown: {"hour": 2, "minute": 48, "second": 18}
